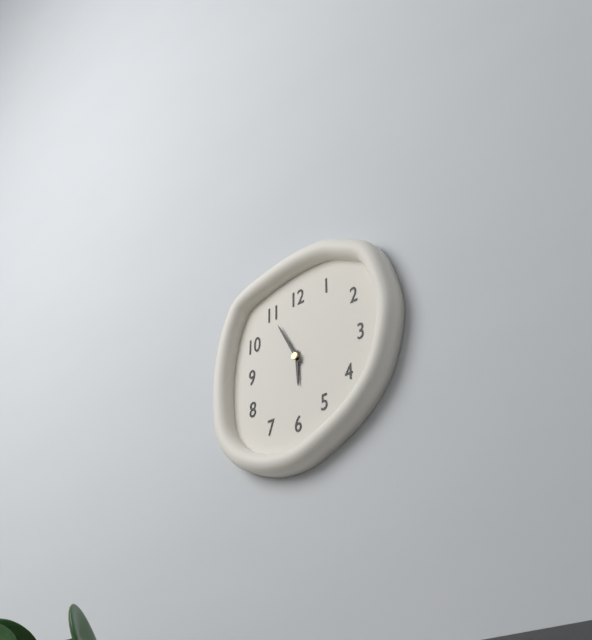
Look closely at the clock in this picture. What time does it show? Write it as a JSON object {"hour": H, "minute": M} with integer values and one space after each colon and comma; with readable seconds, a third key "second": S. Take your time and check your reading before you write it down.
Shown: {"hour": 5, "minute": 55}
